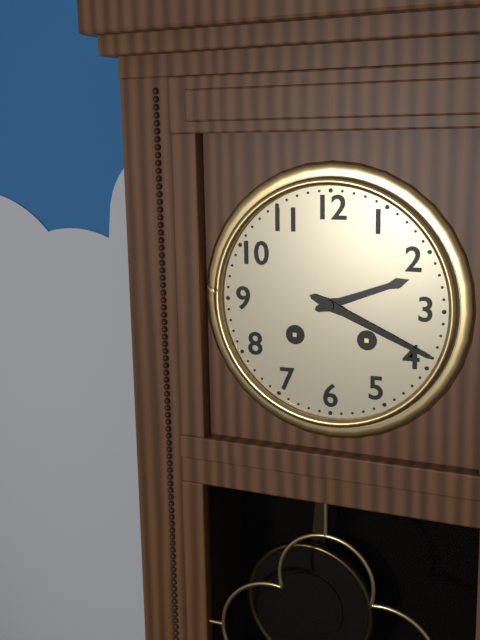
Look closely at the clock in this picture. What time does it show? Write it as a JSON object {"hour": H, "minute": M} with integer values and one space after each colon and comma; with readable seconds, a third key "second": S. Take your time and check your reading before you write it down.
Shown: {"hour": 2, "minute": 19}
